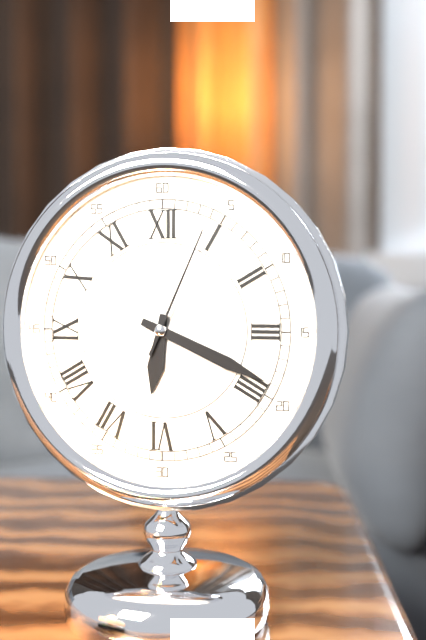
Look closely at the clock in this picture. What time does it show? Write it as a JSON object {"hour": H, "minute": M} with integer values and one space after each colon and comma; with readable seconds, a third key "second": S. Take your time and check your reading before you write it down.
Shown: {"hour": 6, "minute": 19, "second": 4}
